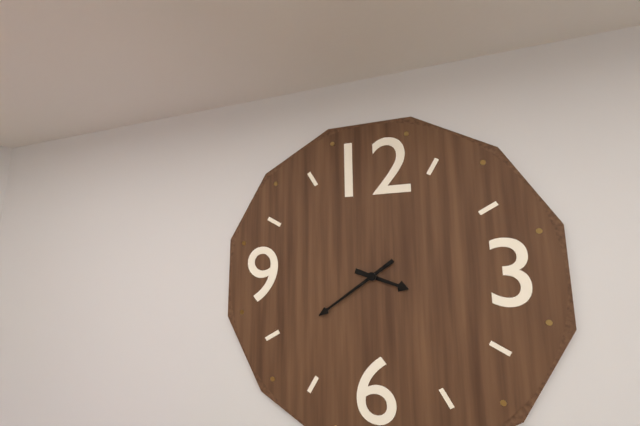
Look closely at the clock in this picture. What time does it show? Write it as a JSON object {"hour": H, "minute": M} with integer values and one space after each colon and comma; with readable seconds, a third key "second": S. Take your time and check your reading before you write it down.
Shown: {"hour": 3, "minute": 39}
